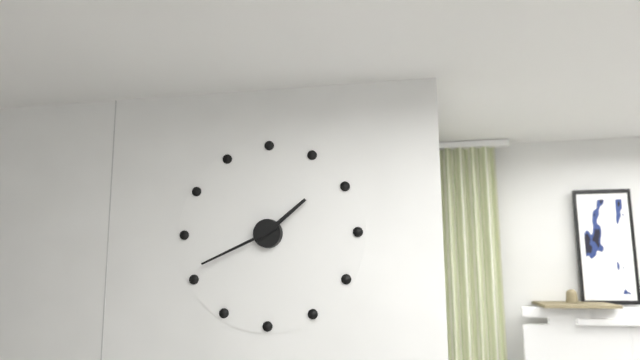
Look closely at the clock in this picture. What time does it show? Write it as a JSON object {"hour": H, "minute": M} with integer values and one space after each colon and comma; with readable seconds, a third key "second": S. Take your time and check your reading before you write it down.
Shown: {"hour": 1, "minute": 41}
